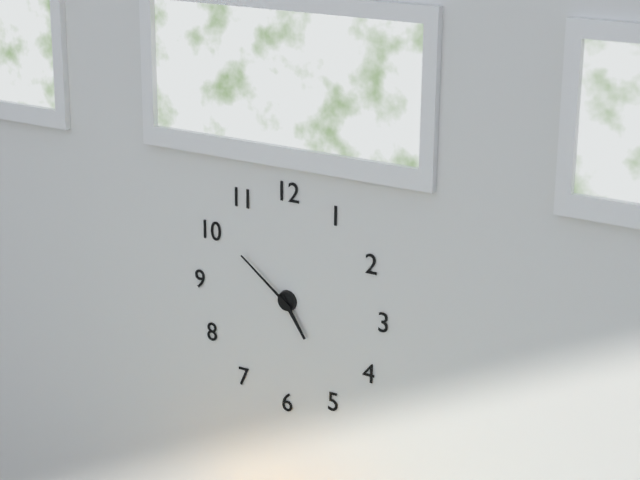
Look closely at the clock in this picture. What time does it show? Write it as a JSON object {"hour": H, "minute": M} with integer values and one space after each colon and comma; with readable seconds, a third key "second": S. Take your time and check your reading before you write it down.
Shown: {"hour": 4, "minute": 51}
